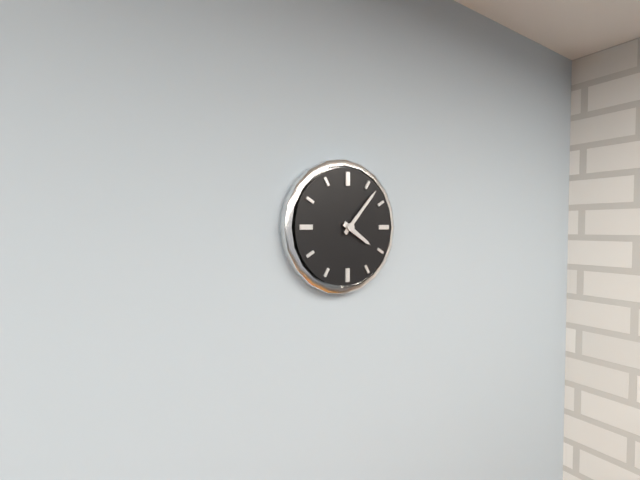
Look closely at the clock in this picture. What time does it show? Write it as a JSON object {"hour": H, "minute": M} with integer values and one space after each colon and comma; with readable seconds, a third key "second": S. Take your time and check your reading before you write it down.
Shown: {"hour": 4, "minute": 7}
